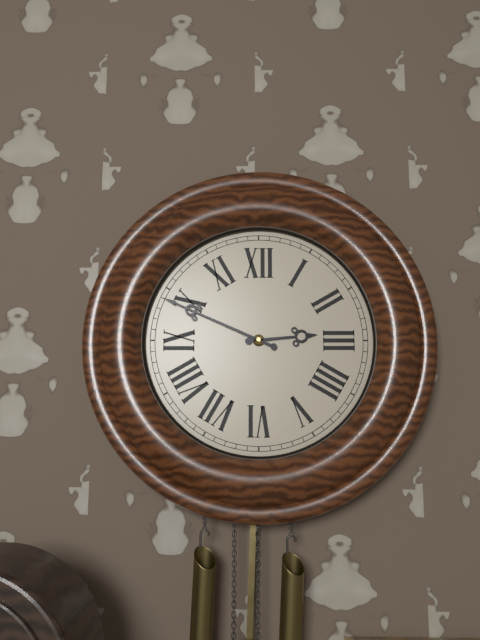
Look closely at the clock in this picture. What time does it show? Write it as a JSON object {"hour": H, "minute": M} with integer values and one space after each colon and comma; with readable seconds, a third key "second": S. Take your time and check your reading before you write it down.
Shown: {"hour": 2, "minute": 49}
